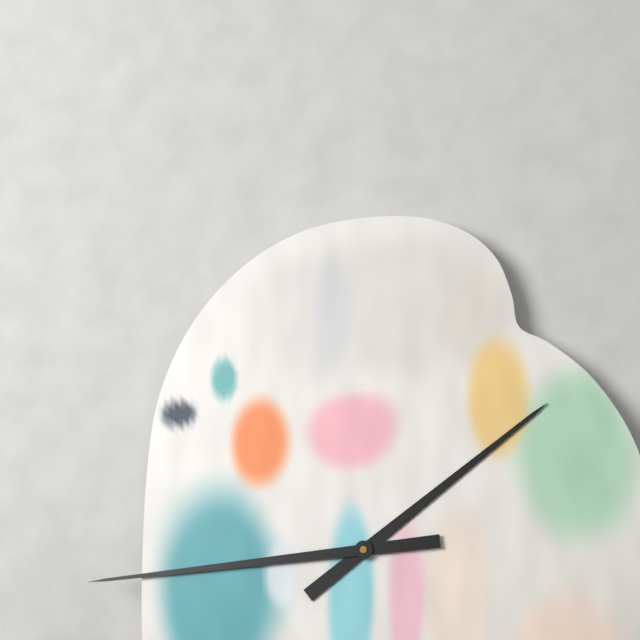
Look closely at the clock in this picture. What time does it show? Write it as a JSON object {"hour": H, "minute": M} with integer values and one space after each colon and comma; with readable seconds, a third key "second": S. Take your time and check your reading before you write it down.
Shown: {"hour": 1, "minute": 44}
